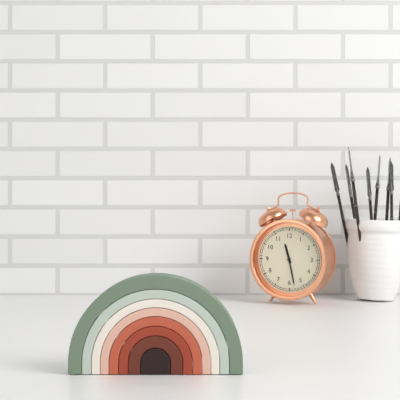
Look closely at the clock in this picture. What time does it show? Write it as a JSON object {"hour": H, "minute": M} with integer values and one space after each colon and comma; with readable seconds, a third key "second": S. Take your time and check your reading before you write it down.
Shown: {"hour": 11, "minute": 28}
